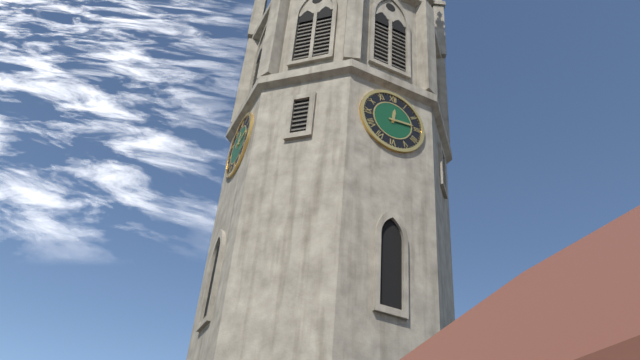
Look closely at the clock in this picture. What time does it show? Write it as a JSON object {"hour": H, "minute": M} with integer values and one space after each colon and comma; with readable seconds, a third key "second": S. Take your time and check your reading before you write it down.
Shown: {"hour": 12, "minute": 14}
